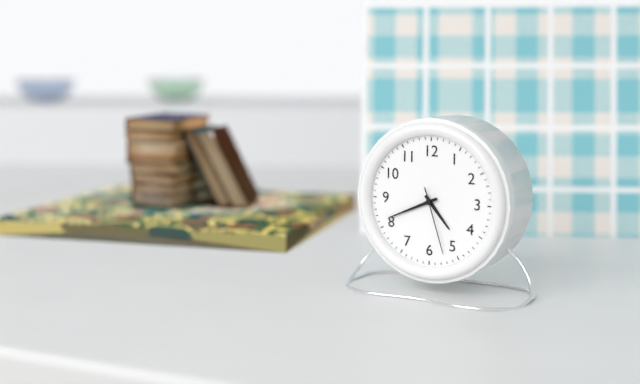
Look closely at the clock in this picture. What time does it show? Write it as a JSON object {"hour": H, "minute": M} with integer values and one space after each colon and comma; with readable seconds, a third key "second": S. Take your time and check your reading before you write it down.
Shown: {"hour": 4, "minute": 41, "second": 27}
